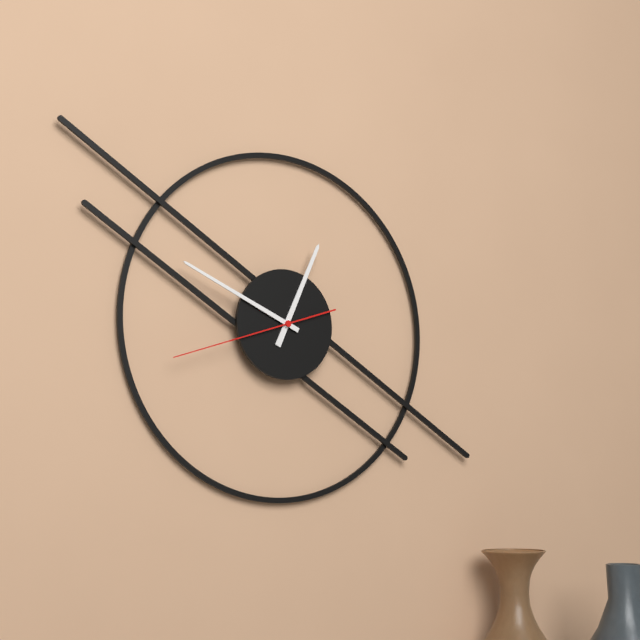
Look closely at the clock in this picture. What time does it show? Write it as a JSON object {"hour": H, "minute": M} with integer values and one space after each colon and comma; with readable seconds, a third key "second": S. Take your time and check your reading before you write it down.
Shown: {"hour": 12, "minute": 49, "second": 42}
